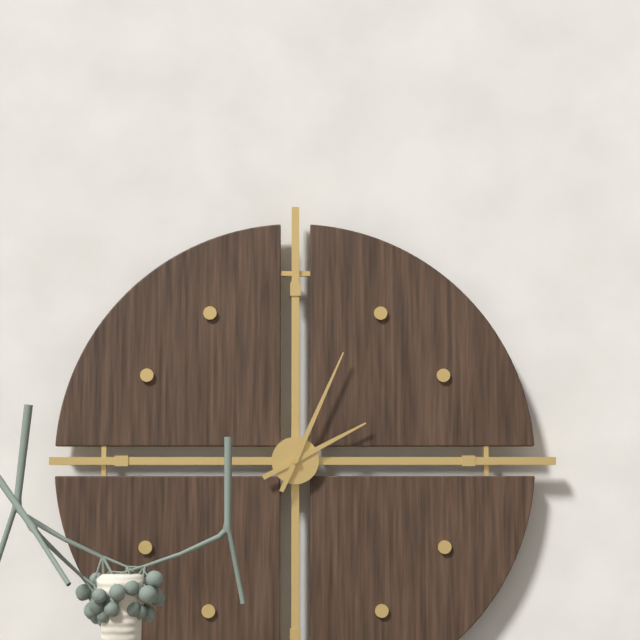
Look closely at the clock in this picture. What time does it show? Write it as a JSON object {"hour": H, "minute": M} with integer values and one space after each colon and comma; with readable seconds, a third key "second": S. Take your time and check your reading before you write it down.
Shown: {"hour": 2, "minute": 4}
